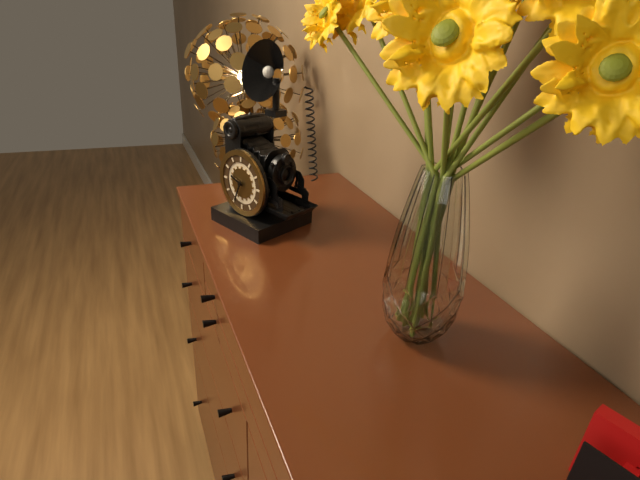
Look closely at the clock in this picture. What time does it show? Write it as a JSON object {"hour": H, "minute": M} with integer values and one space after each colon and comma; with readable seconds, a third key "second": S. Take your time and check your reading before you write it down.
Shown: {"hour": 9, "minute": 34}
